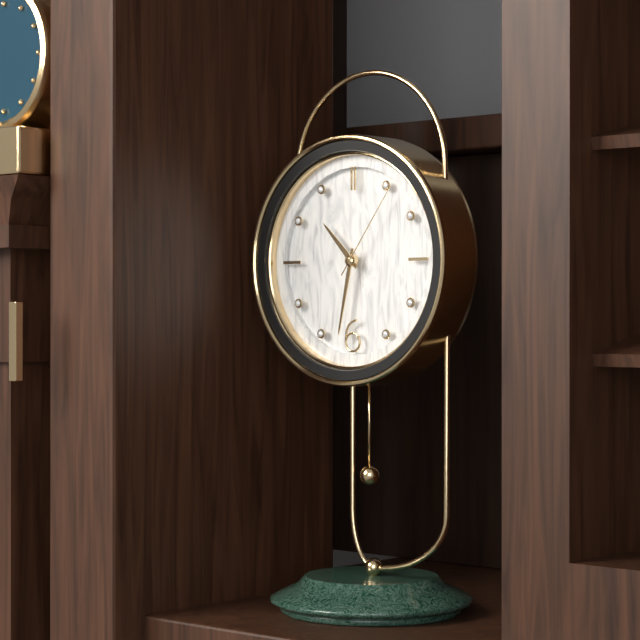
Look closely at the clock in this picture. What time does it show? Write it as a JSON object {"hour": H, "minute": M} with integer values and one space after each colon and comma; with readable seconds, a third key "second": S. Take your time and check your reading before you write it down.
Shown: {"hour": 10, "minute": 32, "second": 6}
